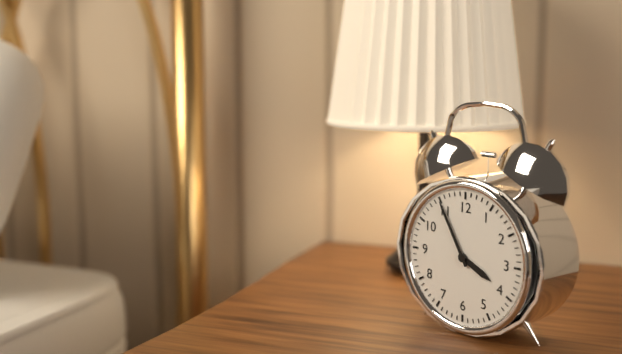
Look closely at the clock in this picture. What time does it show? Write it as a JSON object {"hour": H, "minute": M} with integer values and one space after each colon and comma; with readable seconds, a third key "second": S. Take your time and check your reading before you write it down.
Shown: {"hour": 3, "minute": 55}
